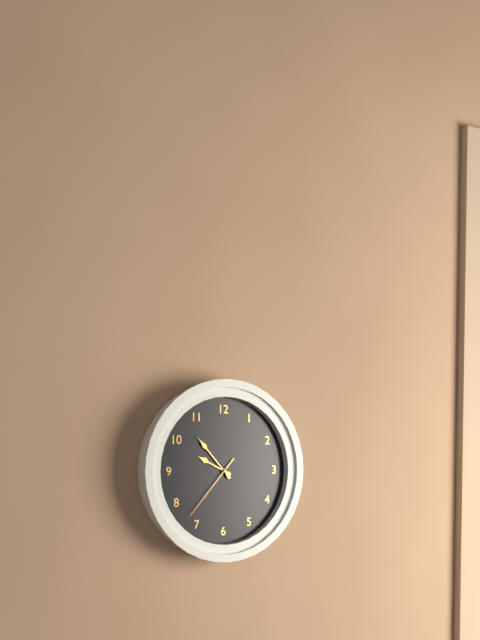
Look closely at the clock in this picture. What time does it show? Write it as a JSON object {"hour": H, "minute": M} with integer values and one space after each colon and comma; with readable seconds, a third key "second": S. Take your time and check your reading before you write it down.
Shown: {"hour": 9, "minute": 53, "second": 37}
